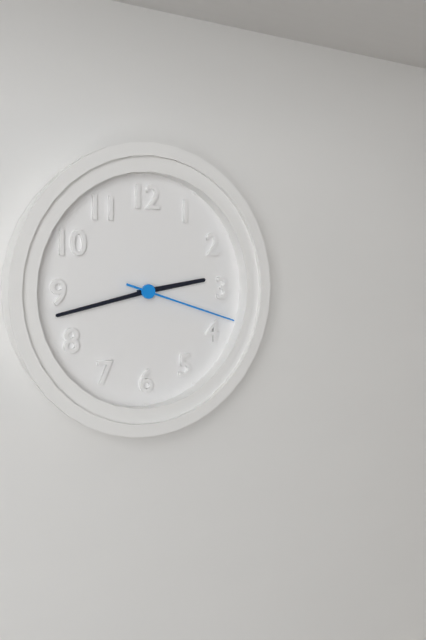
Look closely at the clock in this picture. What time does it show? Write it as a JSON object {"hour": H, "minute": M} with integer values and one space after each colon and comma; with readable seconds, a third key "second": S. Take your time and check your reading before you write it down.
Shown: {"hour": 2, "minute": 43, "second": 18}
